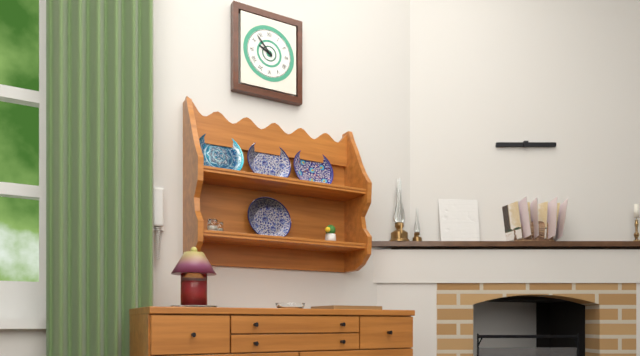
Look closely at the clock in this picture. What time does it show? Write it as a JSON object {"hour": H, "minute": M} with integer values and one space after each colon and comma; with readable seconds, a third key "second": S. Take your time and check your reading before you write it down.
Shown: {"hour": 9, "minute": 53}
